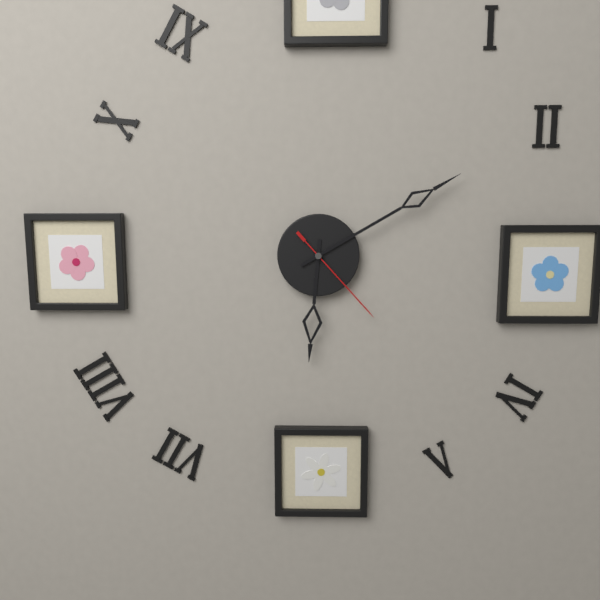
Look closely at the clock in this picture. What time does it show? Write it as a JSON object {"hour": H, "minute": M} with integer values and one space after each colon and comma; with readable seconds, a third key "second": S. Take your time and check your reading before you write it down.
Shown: {"hour": 6, "minute": 10, "second": 23}
